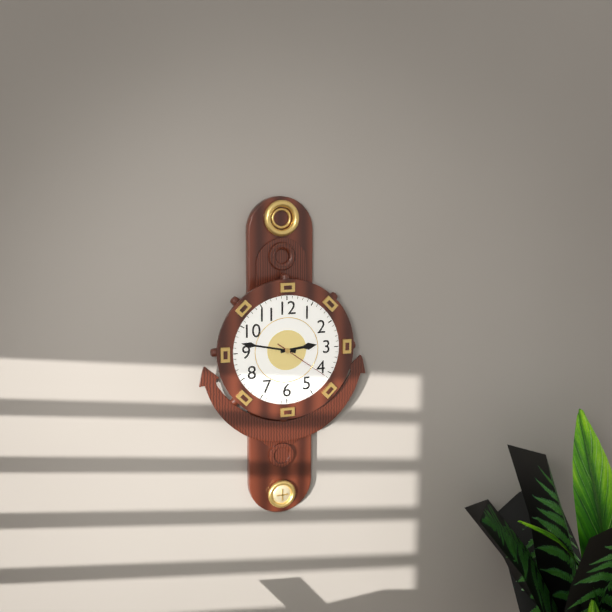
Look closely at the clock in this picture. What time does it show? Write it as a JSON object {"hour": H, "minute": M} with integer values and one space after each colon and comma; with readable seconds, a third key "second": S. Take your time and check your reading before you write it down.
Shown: {"hour": 2, "minute": 47, "second": 21}
